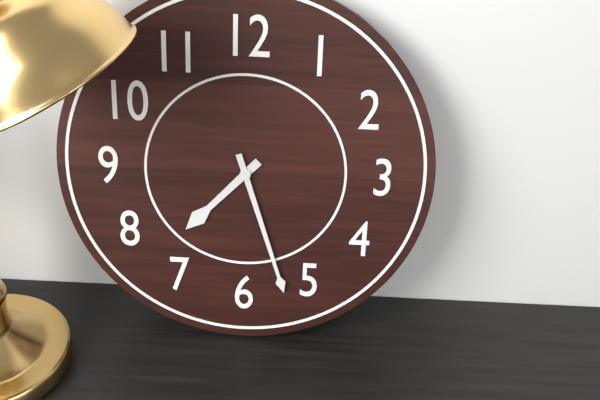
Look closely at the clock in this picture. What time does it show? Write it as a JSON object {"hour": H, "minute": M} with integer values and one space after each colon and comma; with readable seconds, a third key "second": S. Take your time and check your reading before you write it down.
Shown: {"hour": 7, "minute": 27}
